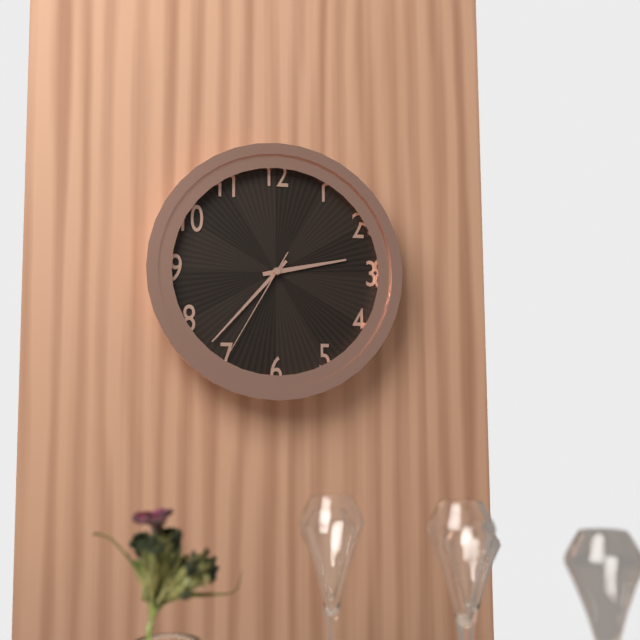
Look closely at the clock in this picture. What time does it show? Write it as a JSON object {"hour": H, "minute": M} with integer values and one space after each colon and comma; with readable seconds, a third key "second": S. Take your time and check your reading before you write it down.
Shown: {"hour": 2, "minute": 37, "second": 35}
